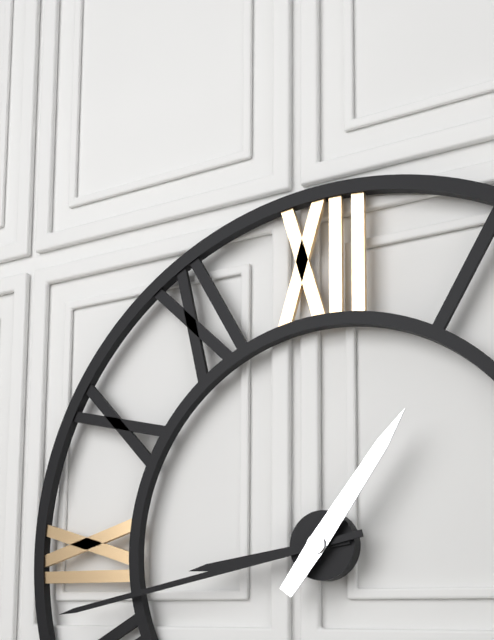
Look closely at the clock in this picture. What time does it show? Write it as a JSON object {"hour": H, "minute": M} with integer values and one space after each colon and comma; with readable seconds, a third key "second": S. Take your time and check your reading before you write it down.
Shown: {"hour": 8, "minute": 43, "second": 6}
